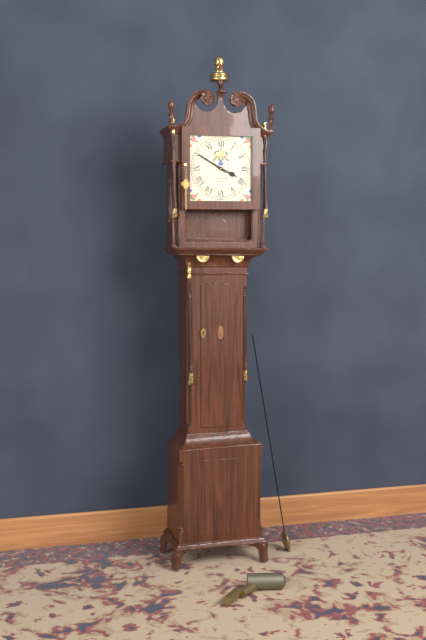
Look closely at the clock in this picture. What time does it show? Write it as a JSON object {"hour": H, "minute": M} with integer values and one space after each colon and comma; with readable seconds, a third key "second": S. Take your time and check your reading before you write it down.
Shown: {"hour": 3, "minute": 50}
